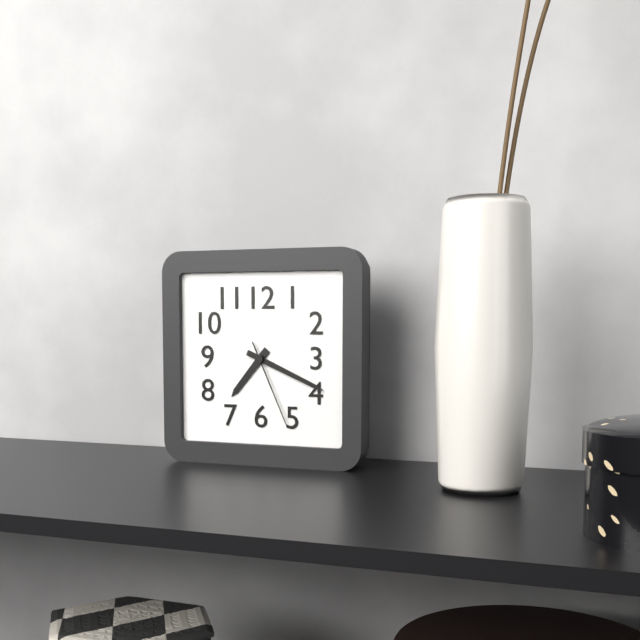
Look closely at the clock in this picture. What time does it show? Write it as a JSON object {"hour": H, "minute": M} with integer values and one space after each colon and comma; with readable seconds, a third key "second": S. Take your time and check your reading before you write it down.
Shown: {"hour": 7, "minute": 19, "second": 26}
